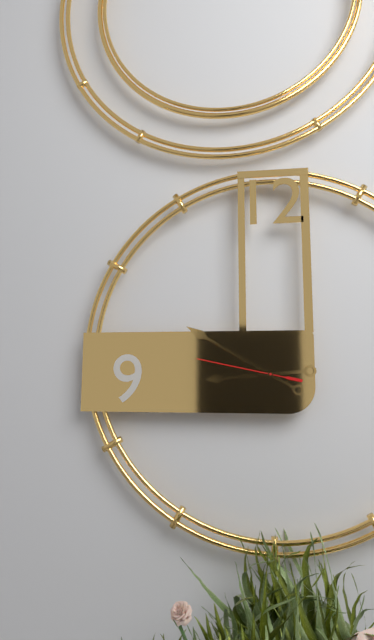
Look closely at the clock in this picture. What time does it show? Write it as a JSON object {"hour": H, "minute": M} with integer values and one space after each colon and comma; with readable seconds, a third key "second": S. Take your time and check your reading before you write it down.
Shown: {"hour": 8, "minute": 50, "second": 47}
